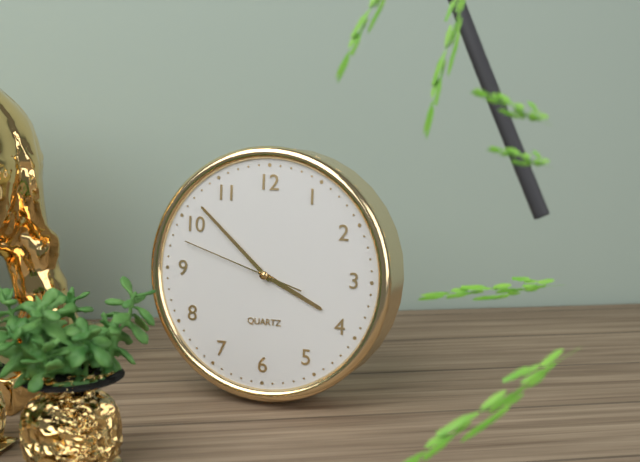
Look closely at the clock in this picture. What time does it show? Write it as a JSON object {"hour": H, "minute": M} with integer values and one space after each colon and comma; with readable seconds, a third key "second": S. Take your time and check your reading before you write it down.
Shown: {"hour": 3, "minute": 52, "second": 48}
